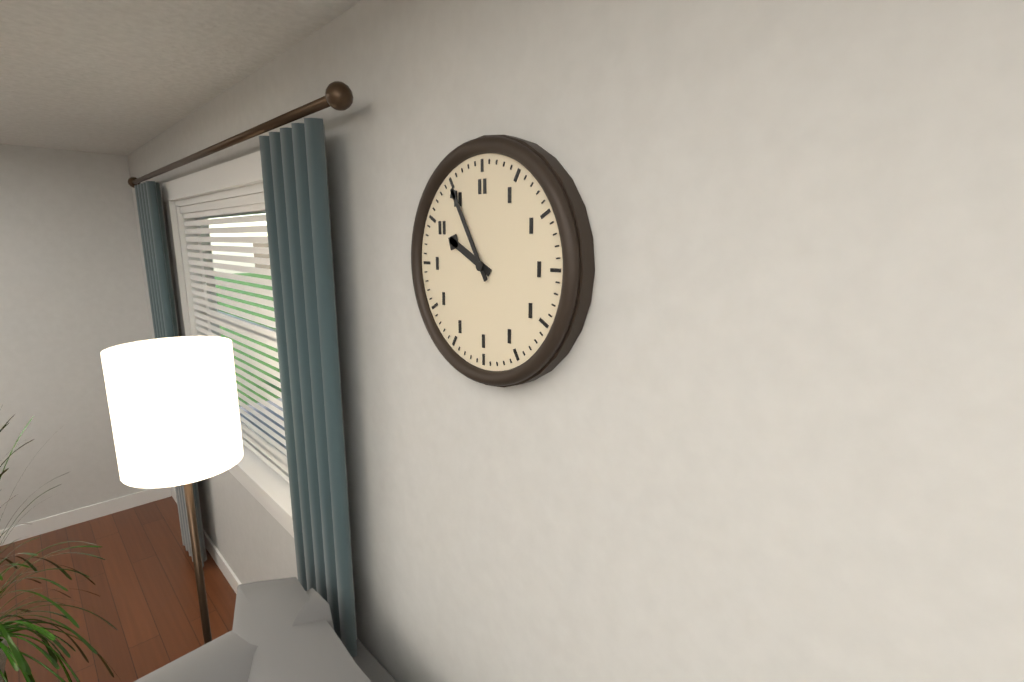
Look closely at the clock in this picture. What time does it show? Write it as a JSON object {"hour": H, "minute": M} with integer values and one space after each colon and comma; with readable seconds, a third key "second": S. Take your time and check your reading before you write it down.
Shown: {"hour": 9, "minute": 55}
